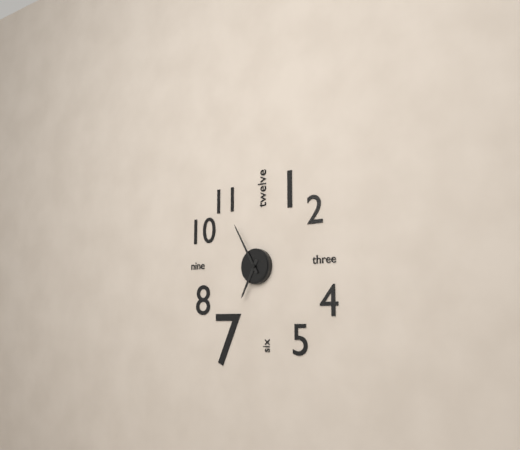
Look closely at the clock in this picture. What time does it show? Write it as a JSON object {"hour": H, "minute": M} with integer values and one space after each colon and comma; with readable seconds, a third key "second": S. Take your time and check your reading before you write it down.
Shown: {"hour": 6, "minute": 55}
